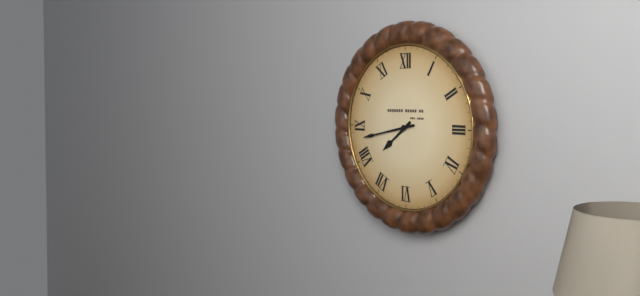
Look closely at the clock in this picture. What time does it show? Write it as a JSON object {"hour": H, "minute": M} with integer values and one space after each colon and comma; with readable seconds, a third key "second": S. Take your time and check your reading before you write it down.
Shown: {"hour": 7, "minute": 43}
